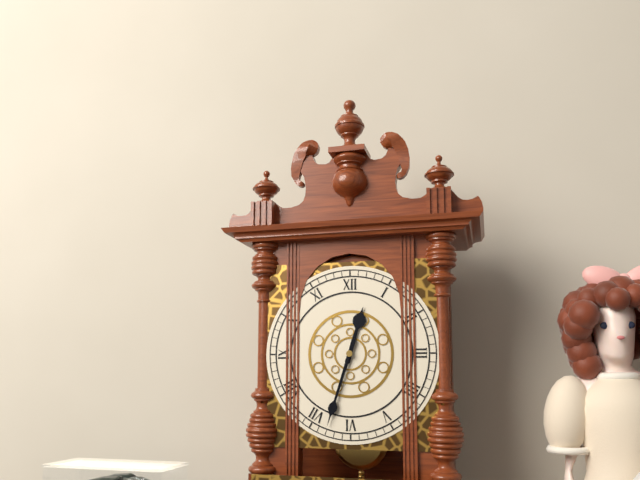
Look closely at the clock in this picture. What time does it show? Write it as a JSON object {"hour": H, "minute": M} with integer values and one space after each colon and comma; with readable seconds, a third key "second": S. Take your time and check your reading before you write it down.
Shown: {"hour": 12, "minute": 33}
